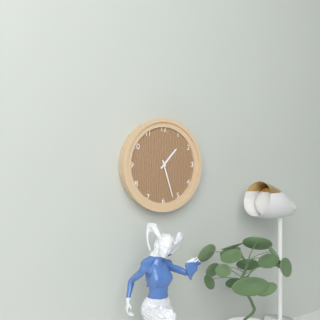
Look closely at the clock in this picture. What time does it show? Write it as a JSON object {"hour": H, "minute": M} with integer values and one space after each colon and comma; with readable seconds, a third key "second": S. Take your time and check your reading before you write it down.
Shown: {"hour": 1, "minute": 27}
